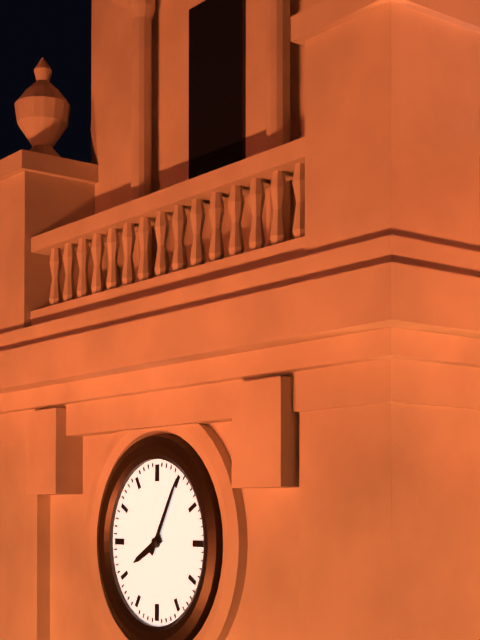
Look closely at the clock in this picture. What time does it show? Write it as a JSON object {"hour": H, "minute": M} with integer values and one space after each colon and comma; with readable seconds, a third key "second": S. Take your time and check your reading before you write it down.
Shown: {"hour": 8, "minute": 5}
